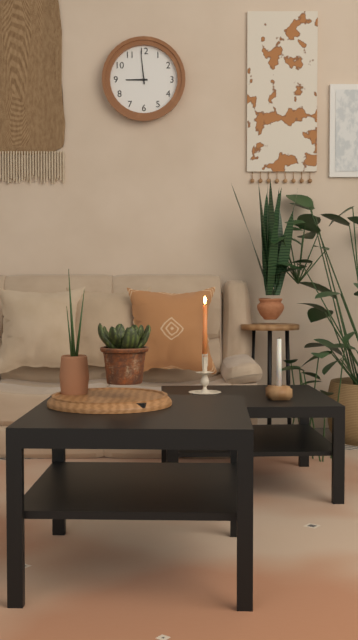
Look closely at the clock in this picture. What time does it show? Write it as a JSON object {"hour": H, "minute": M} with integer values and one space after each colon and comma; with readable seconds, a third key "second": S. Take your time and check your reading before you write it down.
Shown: {"hour": 8, "minute": 59}
